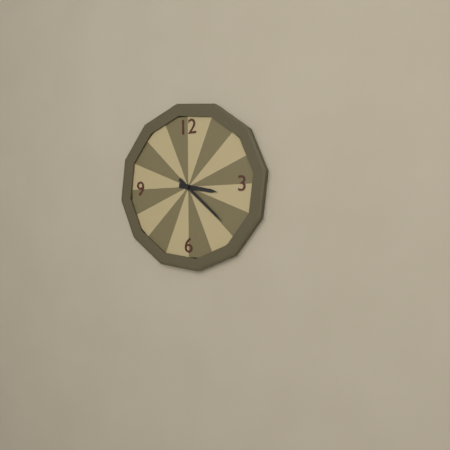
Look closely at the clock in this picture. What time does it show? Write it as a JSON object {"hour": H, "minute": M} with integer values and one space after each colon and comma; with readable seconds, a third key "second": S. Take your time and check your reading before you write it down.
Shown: {"hour": 3, "minute": 22}
